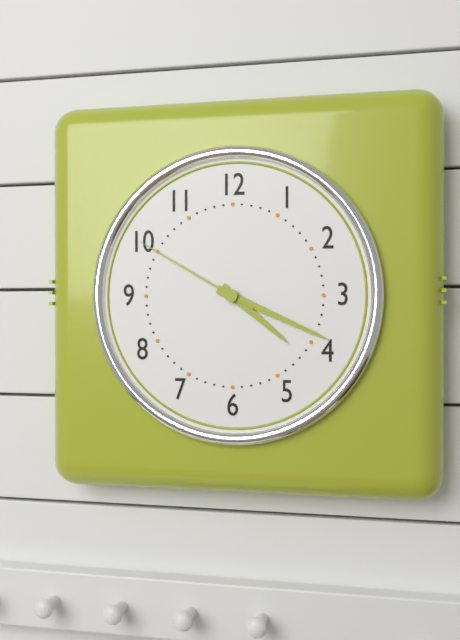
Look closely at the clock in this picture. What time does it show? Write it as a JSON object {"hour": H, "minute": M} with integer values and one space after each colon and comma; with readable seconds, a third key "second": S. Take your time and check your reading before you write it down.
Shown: {"hour": 4, "minute": 19, "second": 50}
